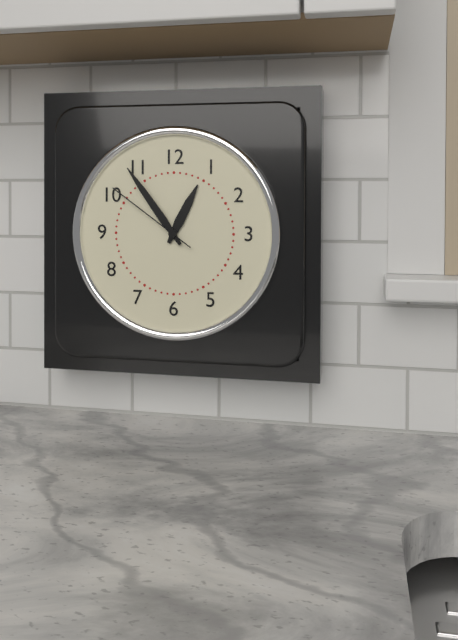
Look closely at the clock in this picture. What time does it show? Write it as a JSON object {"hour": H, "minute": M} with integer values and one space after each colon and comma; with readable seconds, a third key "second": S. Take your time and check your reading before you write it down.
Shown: {"hour": 12, "minute": 54, "second": 51}
